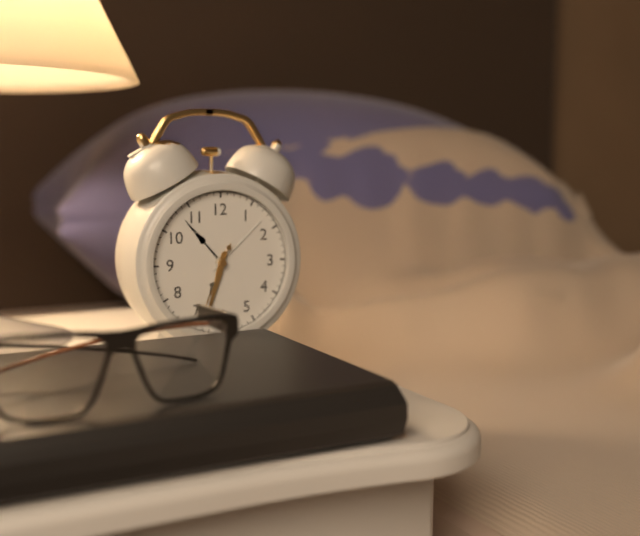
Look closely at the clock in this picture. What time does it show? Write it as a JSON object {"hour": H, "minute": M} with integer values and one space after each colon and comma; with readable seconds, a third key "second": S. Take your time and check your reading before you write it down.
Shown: {"hour": 6, "minute": 33, "second": 34}
